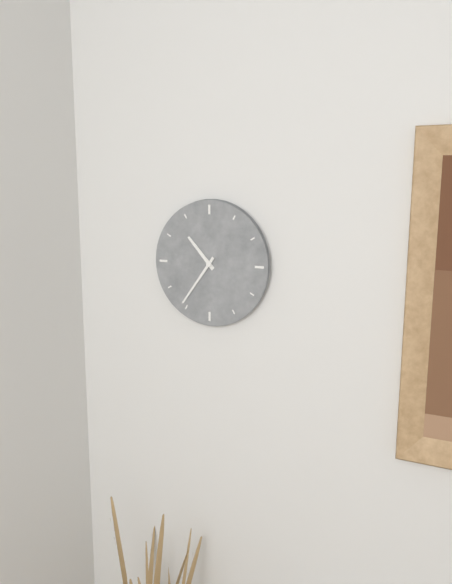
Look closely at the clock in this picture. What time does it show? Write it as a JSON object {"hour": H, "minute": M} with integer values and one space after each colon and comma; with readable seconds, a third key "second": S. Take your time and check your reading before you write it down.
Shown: {"hour": 10, "minute": 36}
